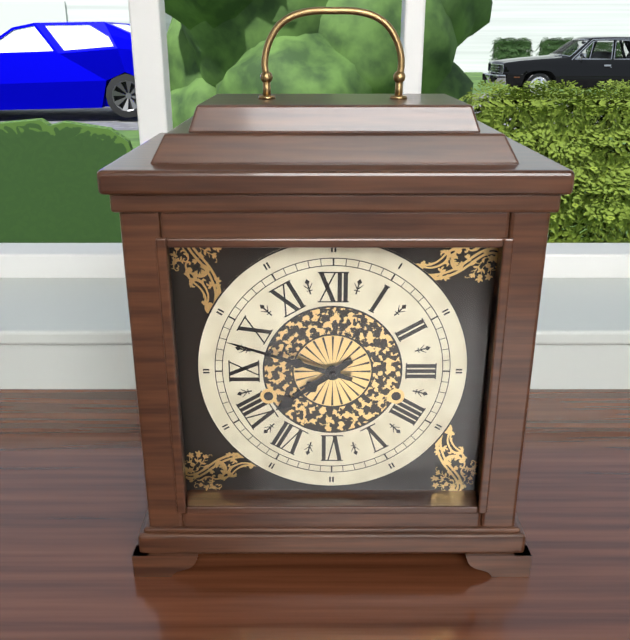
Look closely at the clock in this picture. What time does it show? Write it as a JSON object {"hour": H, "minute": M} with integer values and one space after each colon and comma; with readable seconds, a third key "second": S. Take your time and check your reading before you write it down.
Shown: {"hour": 7, "minute": 48}
